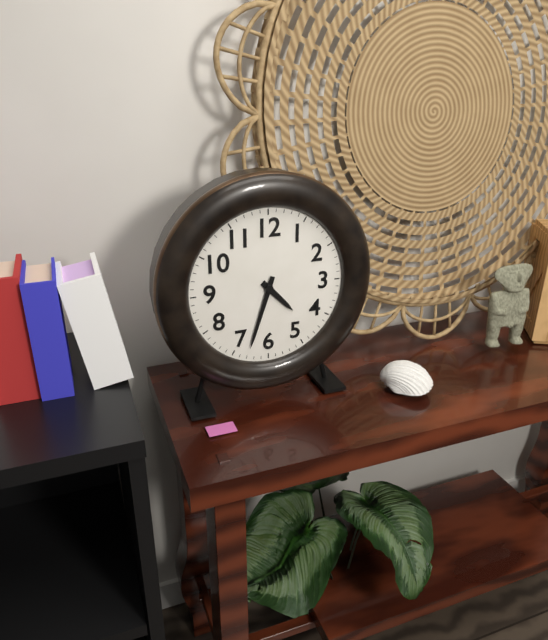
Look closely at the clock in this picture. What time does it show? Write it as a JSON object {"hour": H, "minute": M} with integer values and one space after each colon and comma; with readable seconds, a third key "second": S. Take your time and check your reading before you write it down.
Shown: {"hour": 4, "minute": 33}
